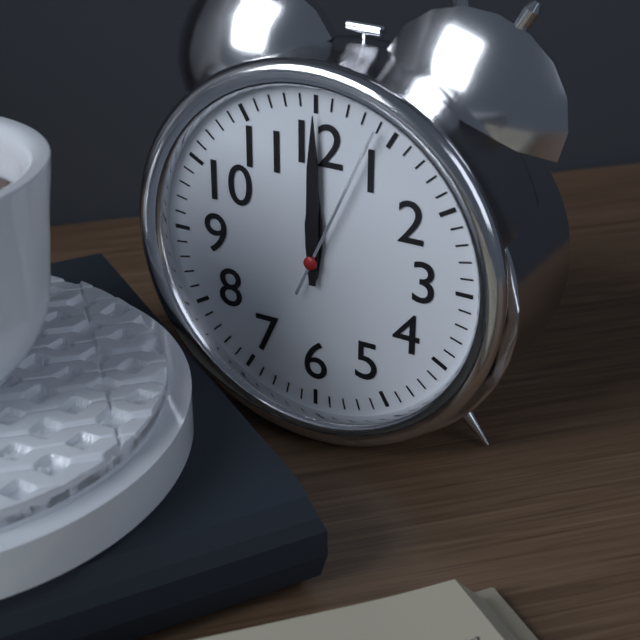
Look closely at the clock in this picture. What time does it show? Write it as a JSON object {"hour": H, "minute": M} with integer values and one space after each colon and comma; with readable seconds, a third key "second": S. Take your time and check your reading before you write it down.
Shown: {"hour": 12, "minute": 0, "second": 4}
